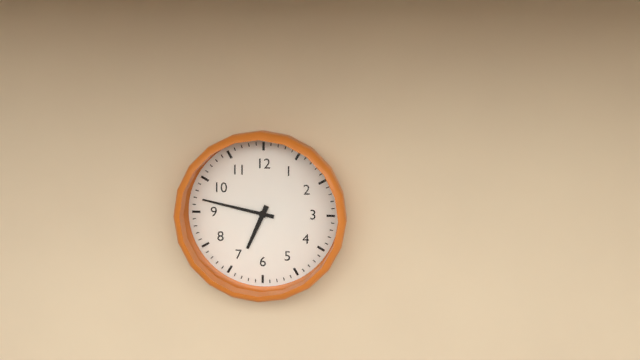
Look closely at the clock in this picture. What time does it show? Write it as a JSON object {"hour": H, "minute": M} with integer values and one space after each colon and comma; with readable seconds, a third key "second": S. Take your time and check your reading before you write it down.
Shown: {"hour": 6, "minute": 47}
